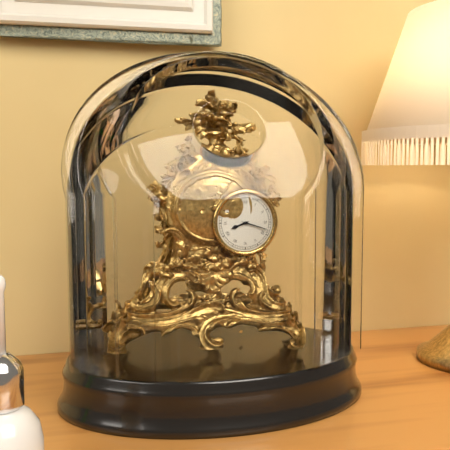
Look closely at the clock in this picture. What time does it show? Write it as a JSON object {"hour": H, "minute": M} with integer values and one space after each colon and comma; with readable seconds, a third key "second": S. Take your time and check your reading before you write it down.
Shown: {"hour": 8, "minute": 18}
